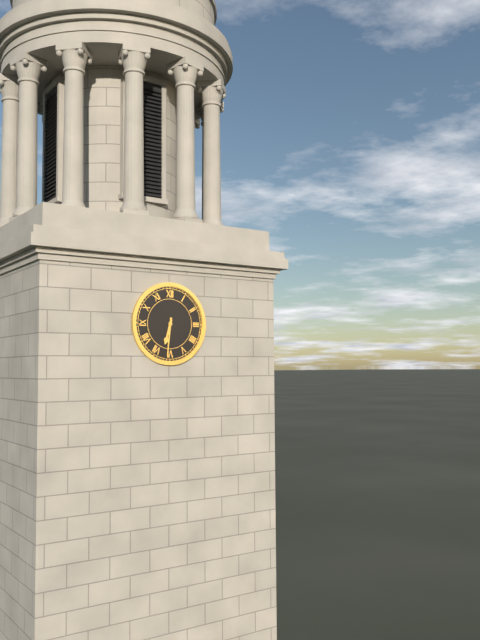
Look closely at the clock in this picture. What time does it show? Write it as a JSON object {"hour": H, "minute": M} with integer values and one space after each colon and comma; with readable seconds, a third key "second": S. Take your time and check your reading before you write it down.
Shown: {"hour": 6, "minute": 31}
